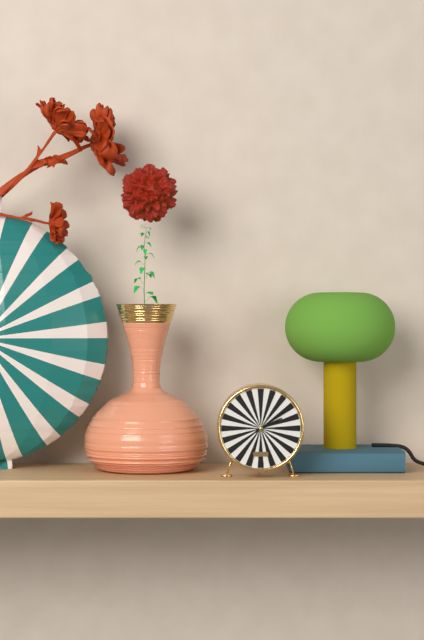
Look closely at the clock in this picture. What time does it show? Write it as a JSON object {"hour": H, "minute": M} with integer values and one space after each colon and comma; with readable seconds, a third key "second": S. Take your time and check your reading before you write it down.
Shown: {"hour": 2, "minute": 9}
